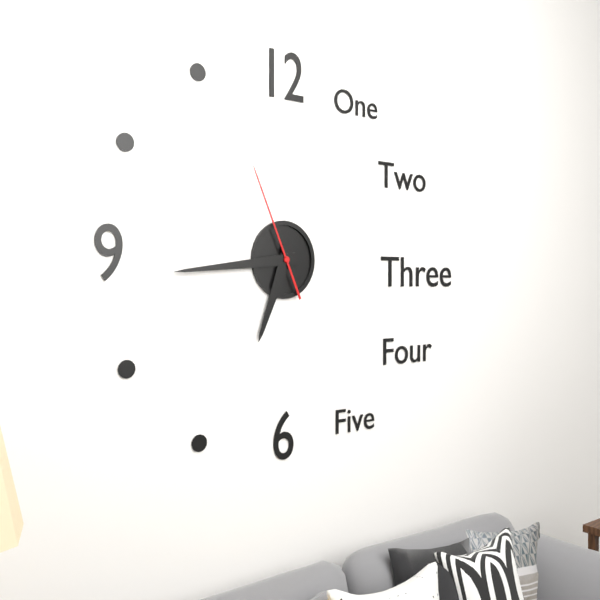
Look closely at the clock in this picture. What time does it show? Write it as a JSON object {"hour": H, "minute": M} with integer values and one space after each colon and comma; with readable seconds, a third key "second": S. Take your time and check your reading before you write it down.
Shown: {"hour": 6, "minute": 44, "second": 56}
